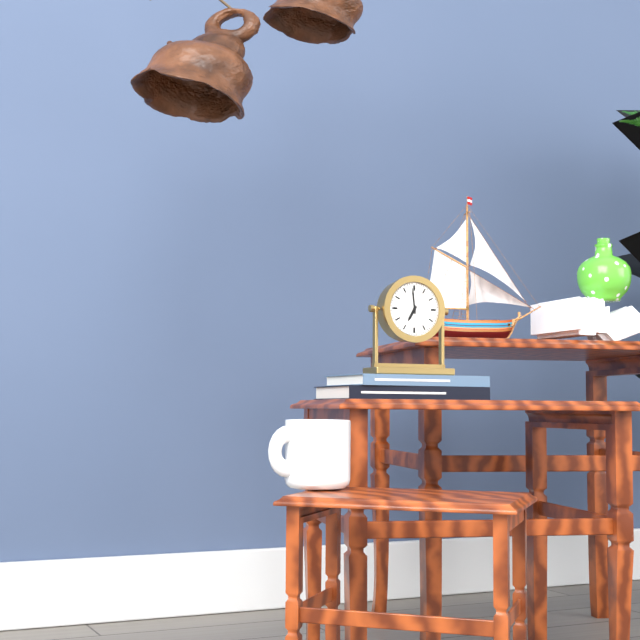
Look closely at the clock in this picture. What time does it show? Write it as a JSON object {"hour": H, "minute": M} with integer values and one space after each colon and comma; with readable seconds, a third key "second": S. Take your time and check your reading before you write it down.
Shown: {"hour": 6, "minute": 59}
